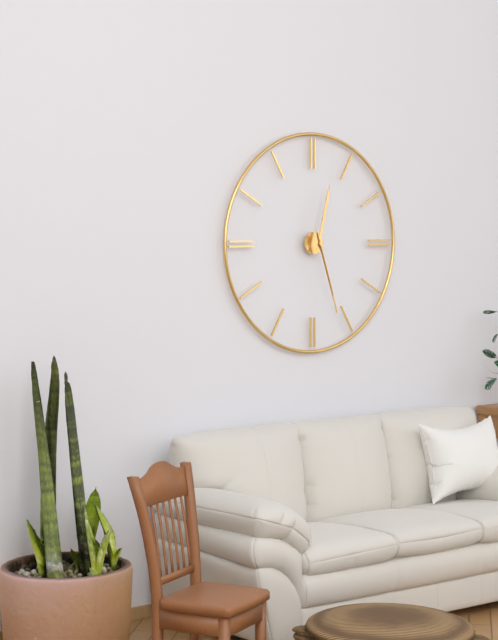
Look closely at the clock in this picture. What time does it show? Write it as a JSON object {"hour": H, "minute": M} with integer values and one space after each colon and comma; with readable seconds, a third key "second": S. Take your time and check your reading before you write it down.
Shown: {"hour": 12, "minute": 27, "second": 27}
